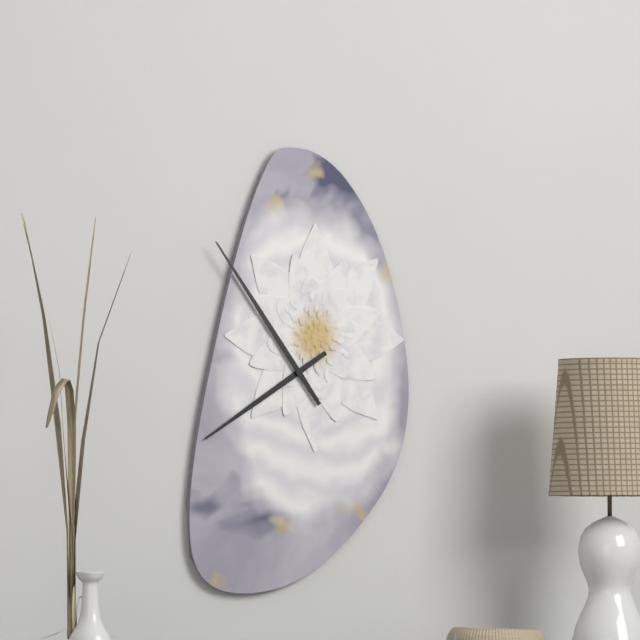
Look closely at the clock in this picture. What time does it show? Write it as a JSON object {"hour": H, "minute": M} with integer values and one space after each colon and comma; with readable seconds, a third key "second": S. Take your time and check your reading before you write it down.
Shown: {"hour": 7, "minute": 54}
